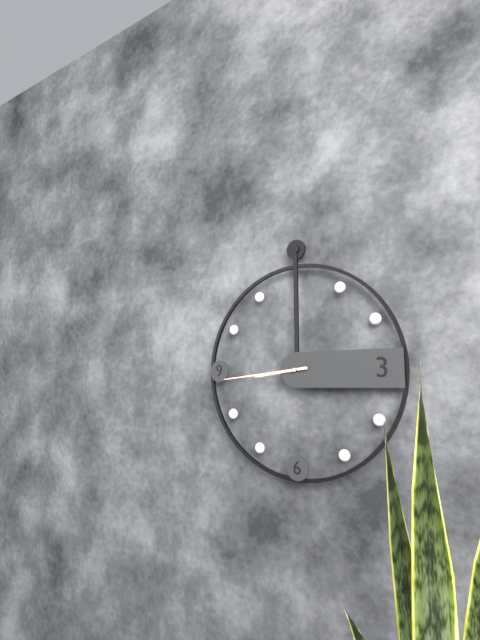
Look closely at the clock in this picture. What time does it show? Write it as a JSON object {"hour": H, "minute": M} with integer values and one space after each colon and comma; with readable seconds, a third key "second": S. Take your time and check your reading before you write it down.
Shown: {"hour": 8, "minute": 44}
